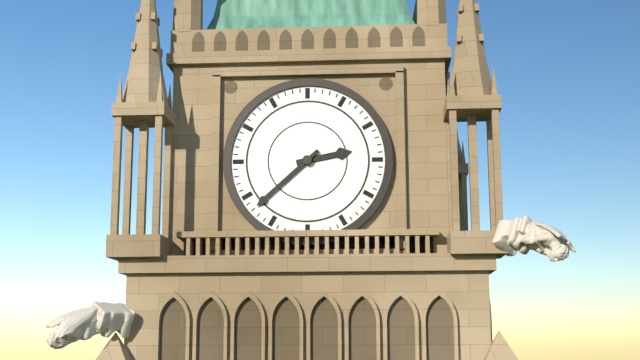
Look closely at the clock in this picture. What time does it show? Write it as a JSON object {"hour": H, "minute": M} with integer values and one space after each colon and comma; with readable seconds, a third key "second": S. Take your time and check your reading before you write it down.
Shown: {"hour": 2, "minute": 38}
